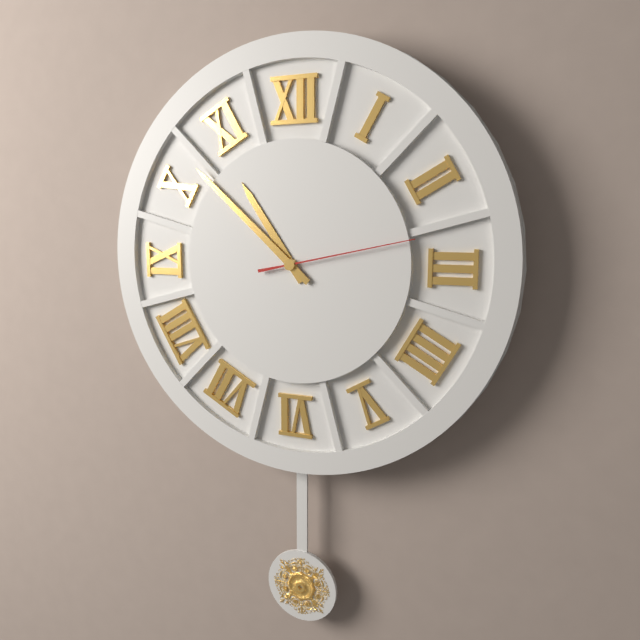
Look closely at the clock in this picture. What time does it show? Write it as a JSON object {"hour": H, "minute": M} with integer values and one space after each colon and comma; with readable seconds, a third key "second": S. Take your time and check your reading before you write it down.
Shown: {"hour": 10, "minute": 52, "second": 13}
